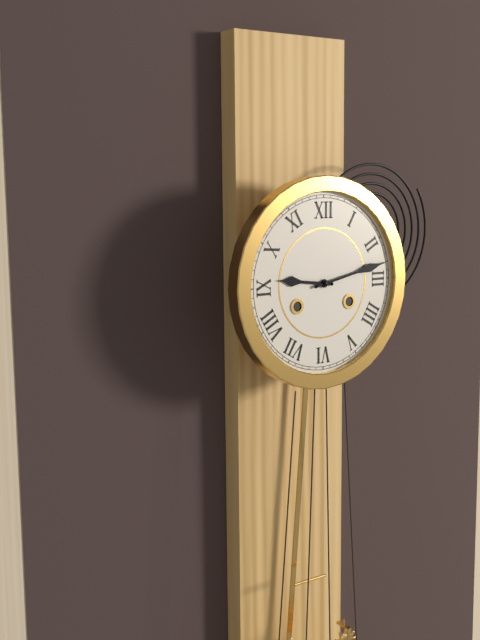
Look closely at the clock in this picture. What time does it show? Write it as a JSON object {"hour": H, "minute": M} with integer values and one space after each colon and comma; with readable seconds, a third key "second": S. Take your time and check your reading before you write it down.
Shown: {"hour": 9, "minute": 13}
